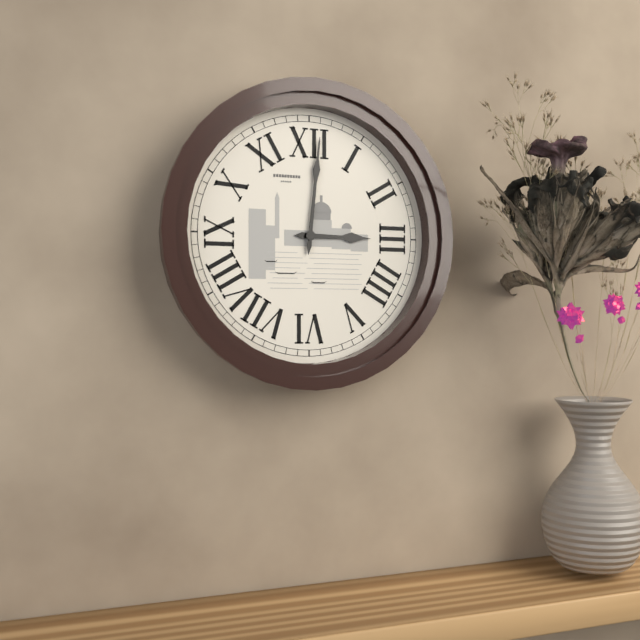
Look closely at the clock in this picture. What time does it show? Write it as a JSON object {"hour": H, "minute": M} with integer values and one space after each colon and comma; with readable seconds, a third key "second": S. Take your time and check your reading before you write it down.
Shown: {"hour": 3, "minute": 1}
